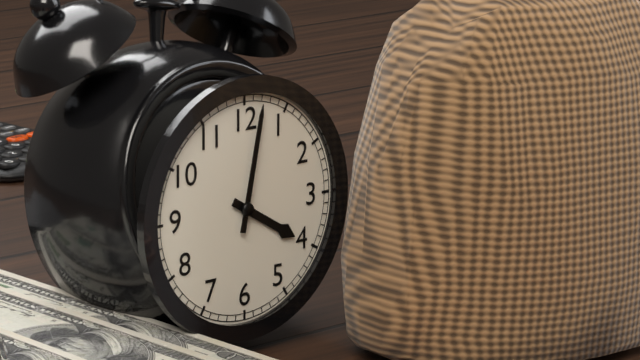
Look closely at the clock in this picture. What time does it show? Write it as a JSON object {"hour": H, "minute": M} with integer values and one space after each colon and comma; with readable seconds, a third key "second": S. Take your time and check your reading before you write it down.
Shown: {"hour": 4, "minute": 2}
